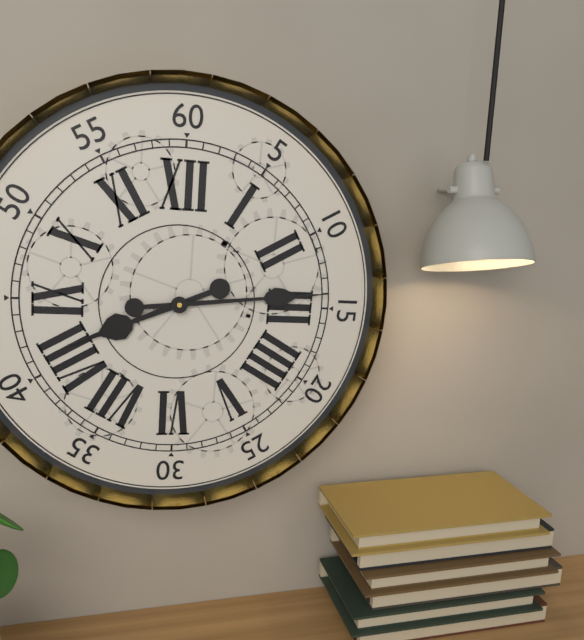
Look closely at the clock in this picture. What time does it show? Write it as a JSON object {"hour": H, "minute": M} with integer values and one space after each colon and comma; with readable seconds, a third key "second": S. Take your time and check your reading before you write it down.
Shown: {"hour": 8, "minute": 14}
